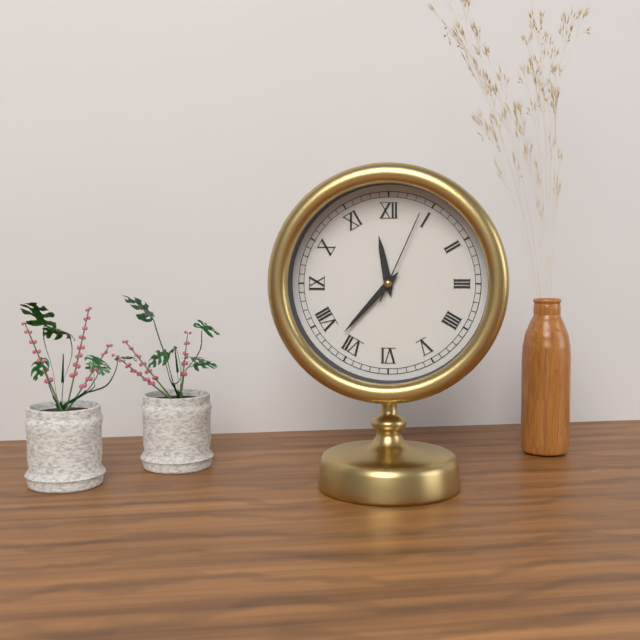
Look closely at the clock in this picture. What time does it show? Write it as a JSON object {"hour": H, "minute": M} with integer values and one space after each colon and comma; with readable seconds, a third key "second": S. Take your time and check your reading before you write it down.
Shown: {"hour": 11, "minute": 37, "second": 4}
